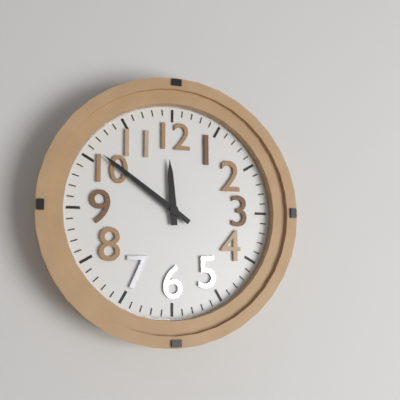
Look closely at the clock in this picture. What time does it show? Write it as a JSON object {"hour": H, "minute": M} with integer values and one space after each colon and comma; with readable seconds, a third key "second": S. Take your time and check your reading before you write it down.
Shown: {"hour": 11, "minute": 51}
